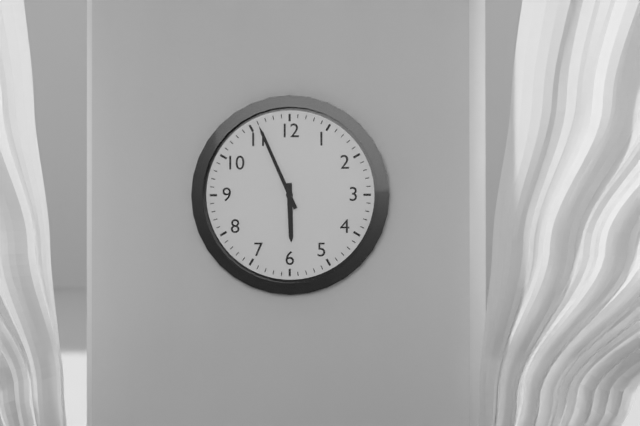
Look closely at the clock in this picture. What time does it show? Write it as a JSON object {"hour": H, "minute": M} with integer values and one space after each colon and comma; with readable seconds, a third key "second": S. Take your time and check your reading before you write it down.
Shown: {"hour": 5, "minute": 56}
